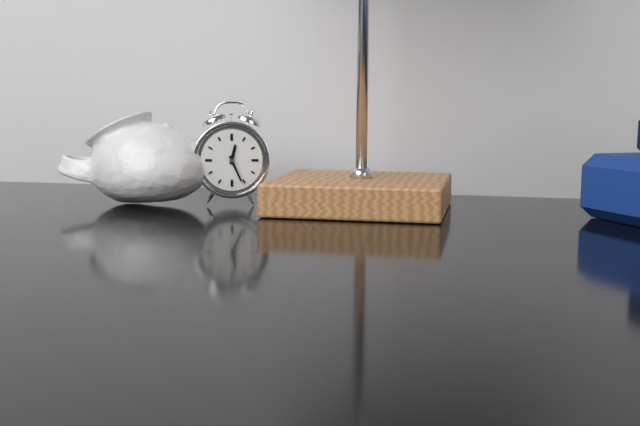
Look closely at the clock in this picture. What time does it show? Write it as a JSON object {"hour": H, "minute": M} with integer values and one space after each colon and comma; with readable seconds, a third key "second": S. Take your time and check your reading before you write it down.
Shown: {"hour": 12, "minute": 26}
